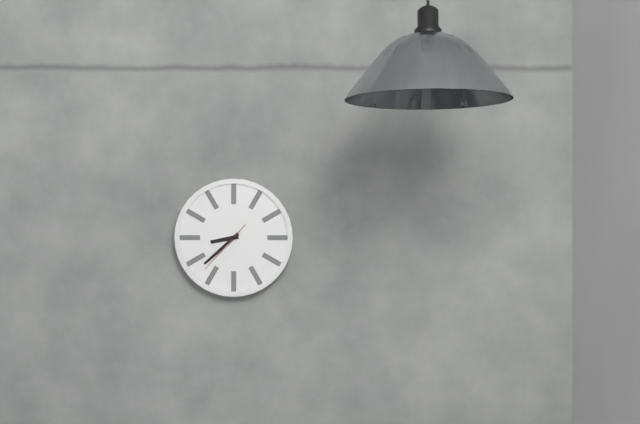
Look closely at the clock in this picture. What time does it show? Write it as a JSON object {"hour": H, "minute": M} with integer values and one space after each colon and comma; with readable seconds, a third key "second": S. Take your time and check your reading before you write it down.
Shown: {"hour": 8, "minute": 38, "second": 37}
